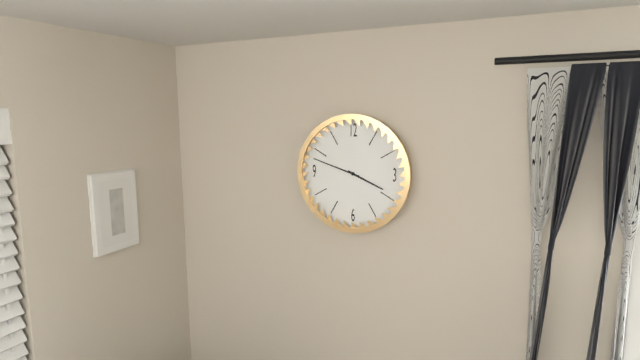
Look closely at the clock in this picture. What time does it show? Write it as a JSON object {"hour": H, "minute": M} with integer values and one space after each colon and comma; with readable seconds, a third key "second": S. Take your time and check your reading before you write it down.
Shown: {"hour": 3, "minute": 48}
